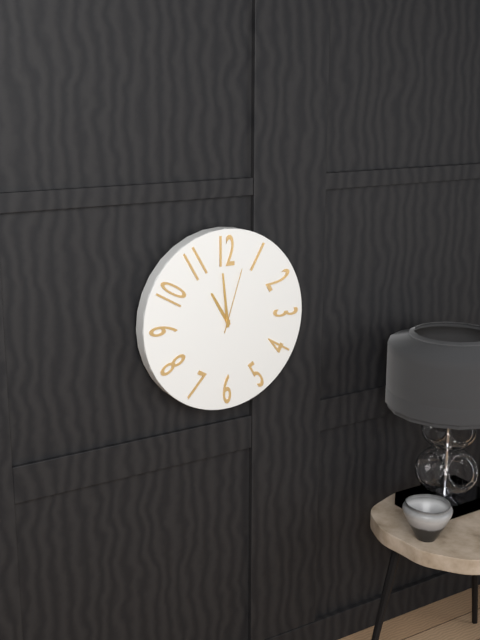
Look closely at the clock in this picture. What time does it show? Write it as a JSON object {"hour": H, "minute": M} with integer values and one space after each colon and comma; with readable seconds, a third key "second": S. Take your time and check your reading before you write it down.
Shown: {"hour": 10, "minute": 59, "second": 3}
